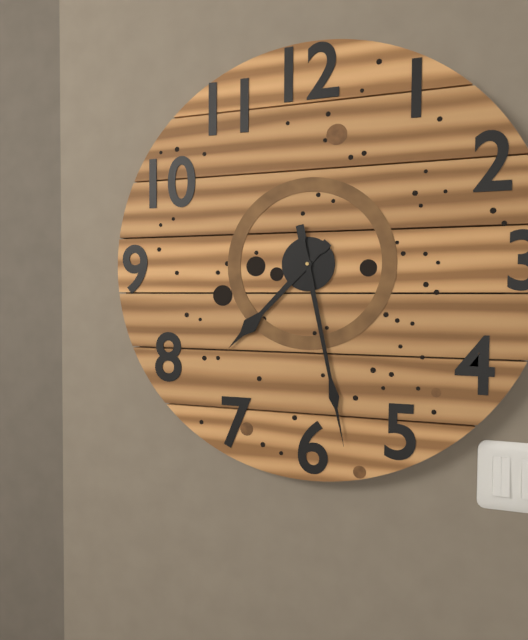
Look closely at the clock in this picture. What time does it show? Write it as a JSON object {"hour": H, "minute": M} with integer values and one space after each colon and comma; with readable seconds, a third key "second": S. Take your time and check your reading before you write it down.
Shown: {"hour": 7, "minute": 28}
